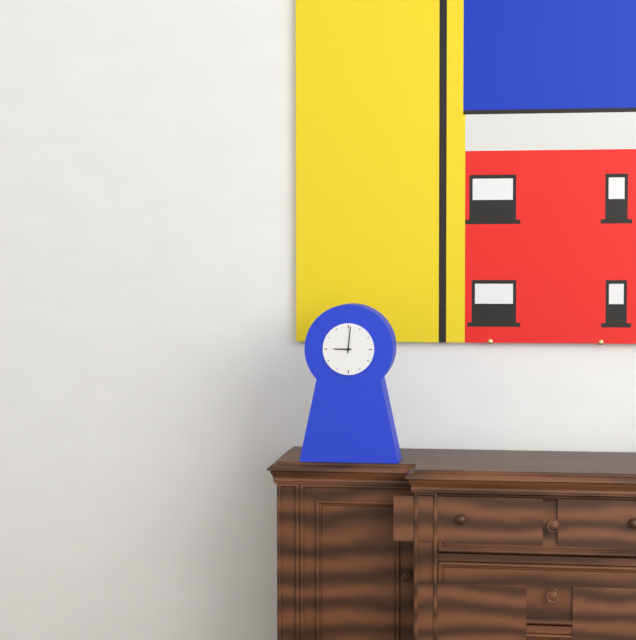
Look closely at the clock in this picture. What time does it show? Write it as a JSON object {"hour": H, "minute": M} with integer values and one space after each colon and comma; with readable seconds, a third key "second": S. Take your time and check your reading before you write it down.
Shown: {"hour": 9, "minute": 1}
